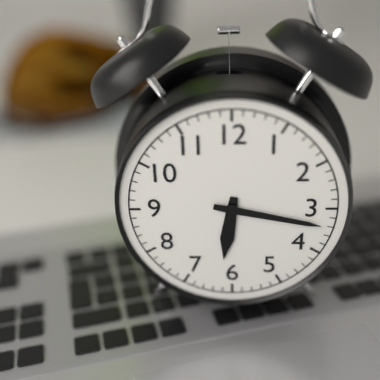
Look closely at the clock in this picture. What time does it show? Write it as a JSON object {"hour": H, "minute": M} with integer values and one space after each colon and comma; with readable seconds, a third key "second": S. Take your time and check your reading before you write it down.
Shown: {"hour": 6, "minute": 17}
